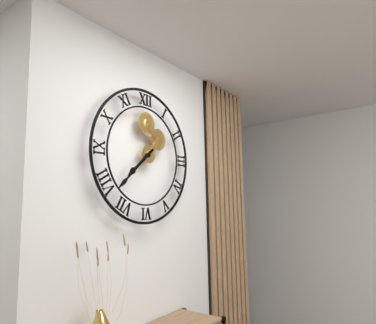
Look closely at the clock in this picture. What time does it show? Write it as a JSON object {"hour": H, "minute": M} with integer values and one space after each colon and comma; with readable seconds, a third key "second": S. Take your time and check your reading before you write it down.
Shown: {"hour": 7, "minute": 38}
